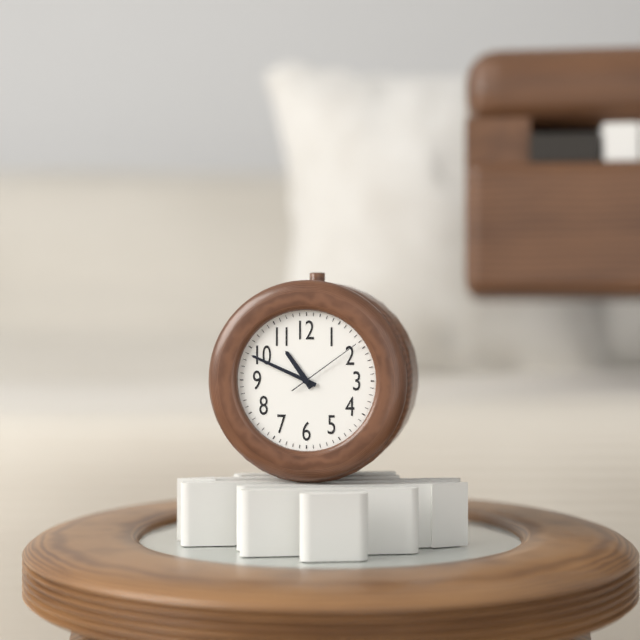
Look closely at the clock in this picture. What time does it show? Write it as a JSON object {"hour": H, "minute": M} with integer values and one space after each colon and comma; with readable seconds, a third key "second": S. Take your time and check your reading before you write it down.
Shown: {"hour": 10, "minute": 49, "second": 9}
